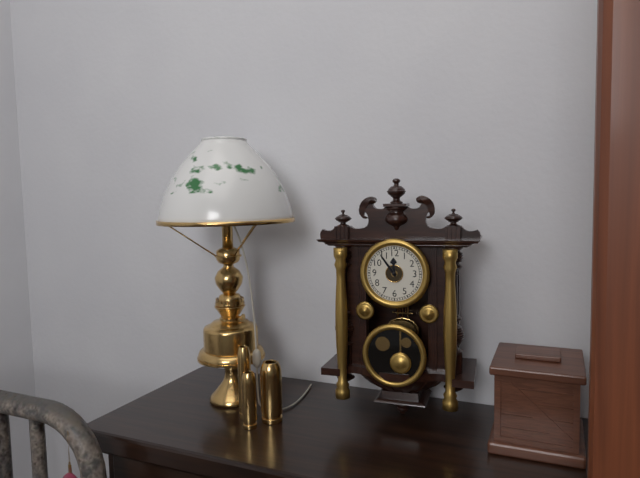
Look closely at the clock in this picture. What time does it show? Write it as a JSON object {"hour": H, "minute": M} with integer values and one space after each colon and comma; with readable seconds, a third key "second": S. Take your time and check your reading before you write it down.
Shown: {"hour": 11, "minute": 54}
